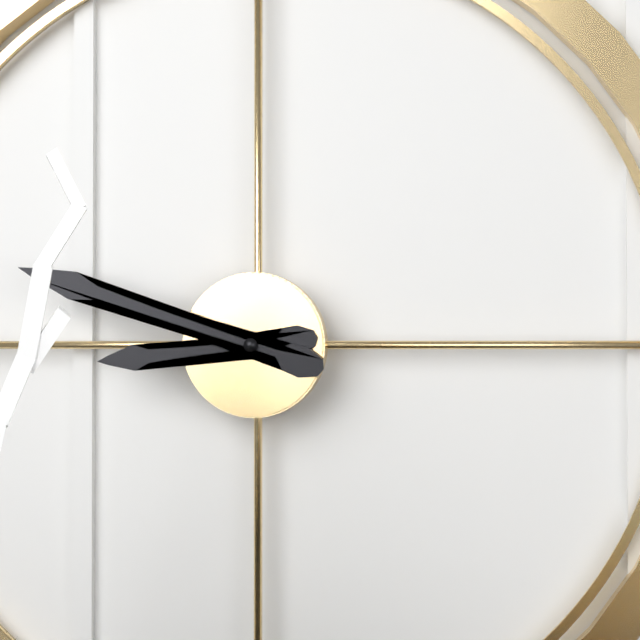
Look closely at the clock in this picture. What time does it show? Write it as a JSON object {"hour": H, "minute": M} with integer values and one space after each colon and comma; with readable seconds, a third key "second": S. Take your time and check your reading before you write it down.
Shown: {"hour": 8, "minute": 48}
